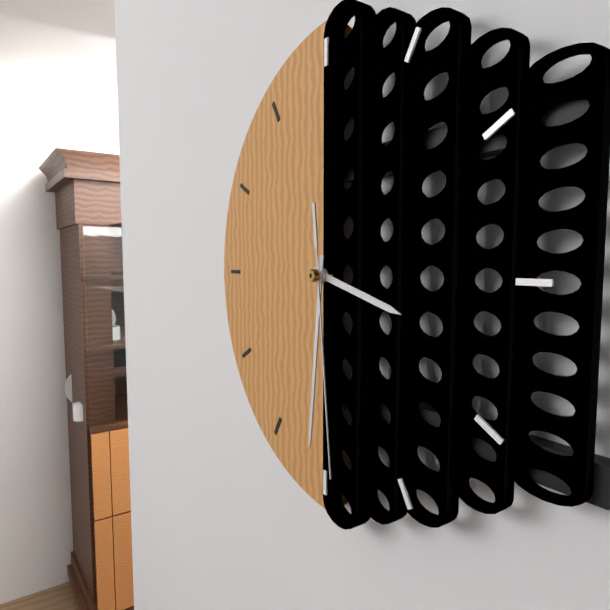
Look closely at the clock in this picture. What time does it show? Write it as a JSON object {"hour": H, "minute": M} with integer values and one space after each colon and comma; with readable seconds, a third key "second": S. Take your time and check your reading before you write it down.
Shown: {"hour": 3, "minute": 31, "second": 29}
